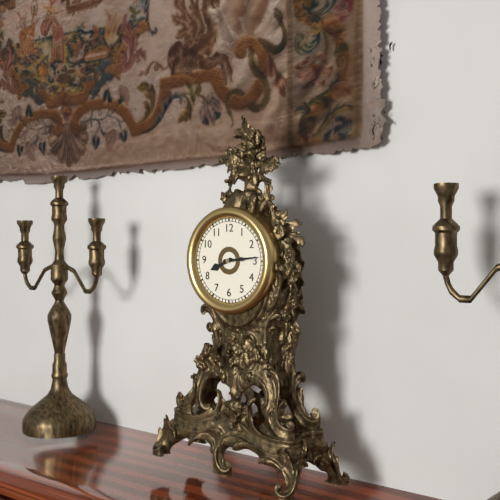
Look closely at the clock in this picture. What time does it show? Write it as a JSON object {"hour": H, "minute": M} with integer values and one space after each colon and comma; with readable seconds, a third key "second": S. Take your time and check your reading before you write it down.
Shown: {"hour": 8, "minute": 14}
